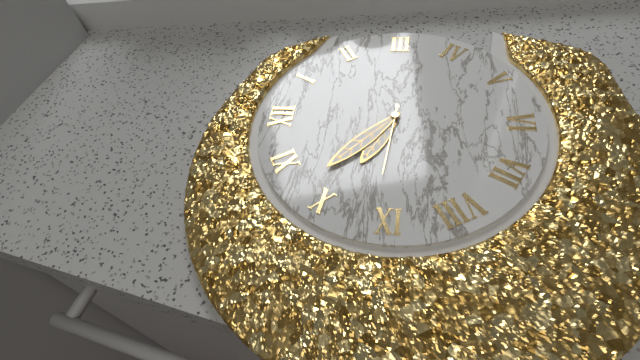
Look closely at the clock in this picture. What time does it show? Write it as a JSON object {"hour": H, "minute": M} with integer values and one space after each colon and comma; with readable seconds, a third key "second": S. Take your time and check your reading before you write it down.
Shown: {"hour": 9, "minute": 52, "second": 46}
